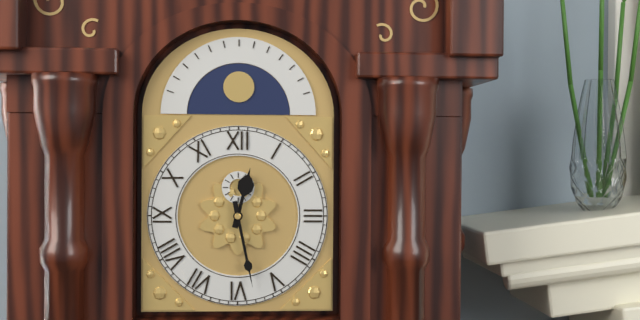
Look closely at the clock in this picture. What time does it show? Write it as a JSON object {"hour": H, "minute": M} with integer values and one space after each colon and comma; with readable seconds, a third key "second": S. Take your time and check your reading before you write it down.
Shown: {"hour": 12, "minute": 28}
